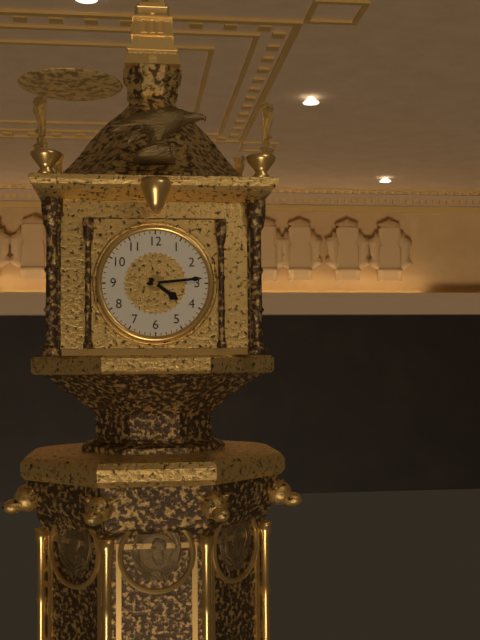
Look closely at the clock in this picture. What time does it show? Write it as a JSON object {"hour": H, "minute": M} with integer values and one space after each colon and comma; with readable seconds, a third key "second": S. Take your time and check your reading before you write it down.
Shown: {"hour": 4, "minute": 14}
